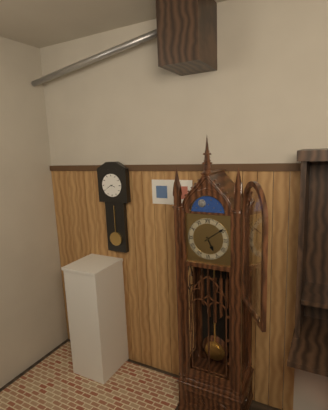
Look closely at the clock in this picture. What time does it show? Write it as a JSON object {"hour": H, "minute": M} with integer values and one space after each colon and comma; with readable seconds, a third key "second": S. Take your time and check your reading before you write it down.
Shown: {"hour": 5, "minute": 9}
